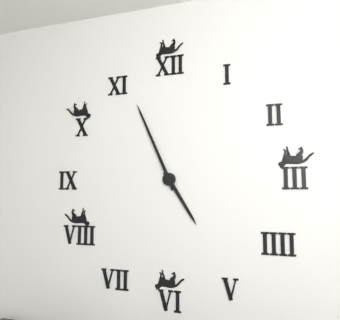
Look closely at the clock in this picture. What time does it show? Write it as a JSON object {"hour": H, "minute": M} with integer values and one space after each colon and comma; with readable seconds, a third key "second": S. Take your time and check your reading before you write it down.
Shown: {"hour": 4, "minute": 56}
